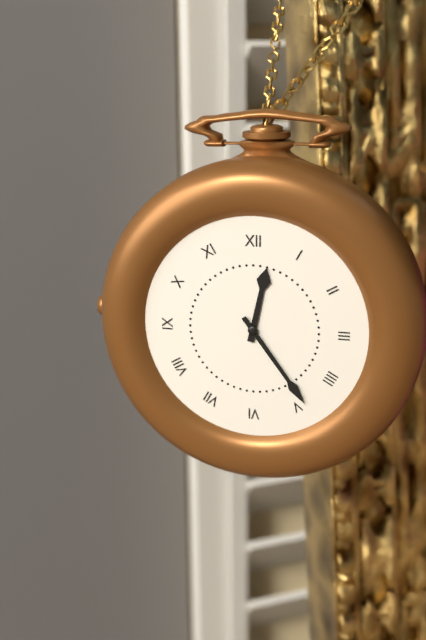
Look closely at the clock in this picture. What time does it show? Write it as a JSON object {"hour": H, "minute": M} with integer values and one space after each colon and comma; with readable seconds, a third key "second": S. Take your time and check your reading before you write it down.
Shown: {"hour": 12, "minute": 24}
